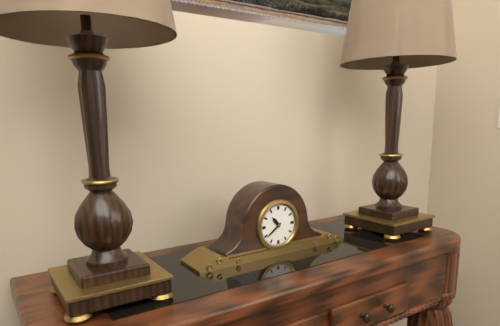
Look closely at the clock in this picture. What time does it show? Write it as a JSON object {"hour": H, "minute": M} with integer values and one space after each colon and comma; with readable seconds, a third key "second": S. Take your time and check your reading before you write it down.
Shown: {"hour": 10, "minute": 39}
